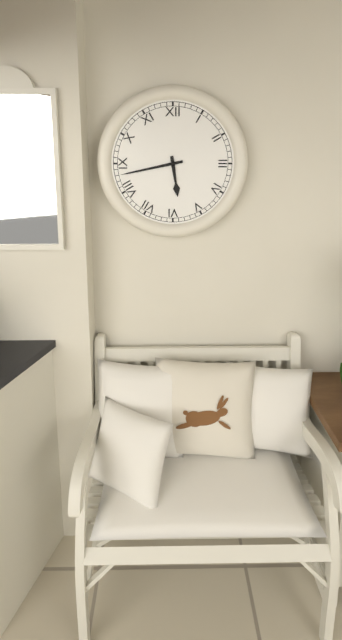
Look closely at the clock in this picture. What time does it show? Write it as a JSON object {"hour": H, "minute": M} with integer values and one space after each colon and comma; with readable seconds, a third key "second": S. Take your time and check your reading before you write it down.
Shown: {"hour": 5, "minute": 43}
